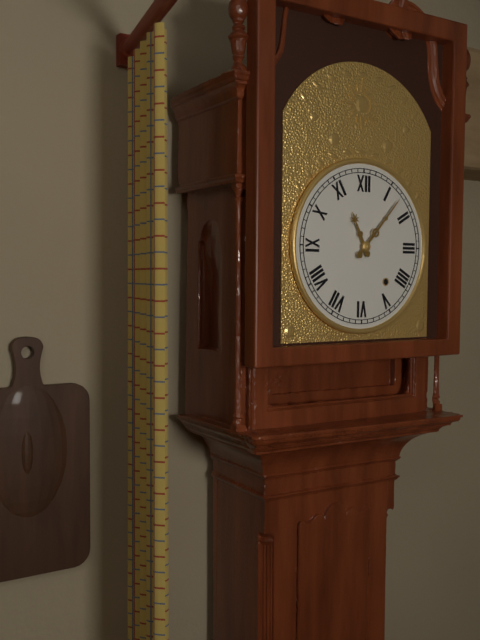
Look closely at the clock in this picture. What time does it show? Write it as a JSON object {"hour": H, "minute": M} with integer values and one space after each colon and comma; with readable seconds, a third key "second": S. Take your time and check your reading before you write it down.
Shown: {"hour": 11, "minute": 7}
